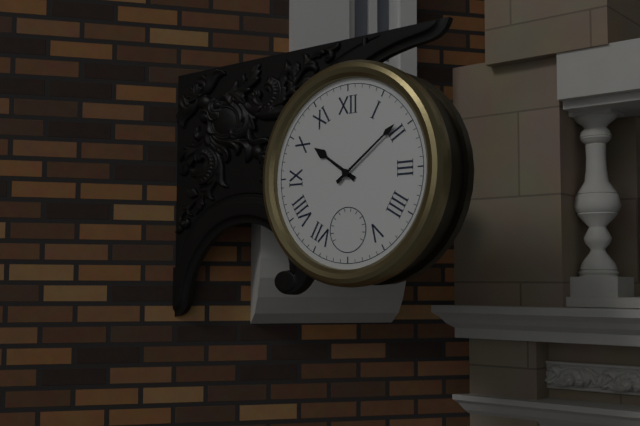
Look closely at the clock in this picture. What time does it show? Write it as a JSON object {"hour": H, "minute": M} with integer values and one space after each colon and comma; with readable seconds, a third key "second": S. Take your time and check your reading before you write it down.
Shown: {"hour": 10, "minute": 9}
